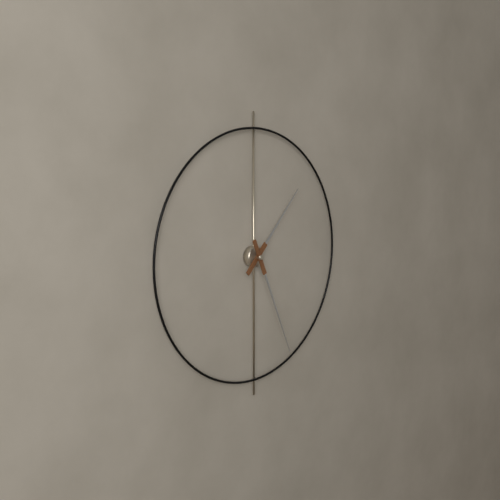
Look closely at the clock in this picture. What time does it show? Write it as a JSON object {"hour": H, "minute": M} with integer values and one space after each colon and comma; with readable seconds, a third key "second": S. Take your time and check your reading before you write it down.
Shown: {"hour": 1, "minute": 26}
